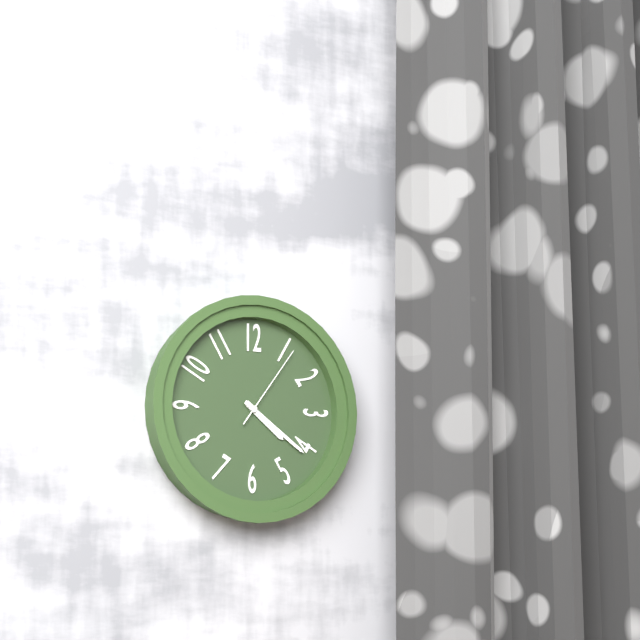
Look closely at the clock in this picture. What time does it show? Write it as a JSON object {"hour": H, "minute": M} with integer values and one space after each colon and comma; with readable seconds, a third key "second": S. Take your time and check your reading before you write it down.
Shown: {"hour": 4, "minute": 21, "second": 6}
